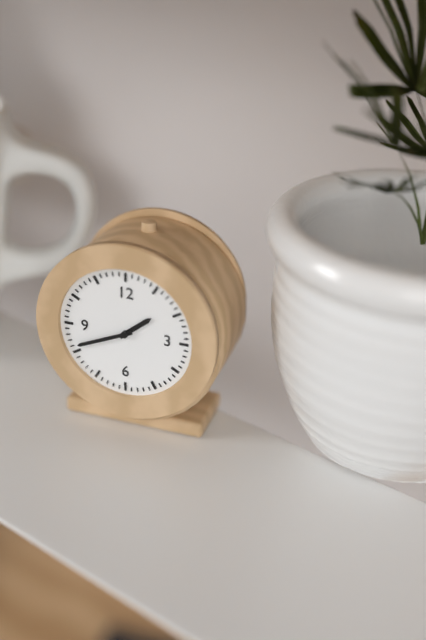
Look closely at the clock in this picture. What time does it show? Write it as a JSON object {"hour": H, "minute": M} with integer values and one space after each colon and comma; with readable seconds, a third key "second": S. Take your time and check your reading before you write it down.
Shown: {"hour": 1, "minute": 41}
